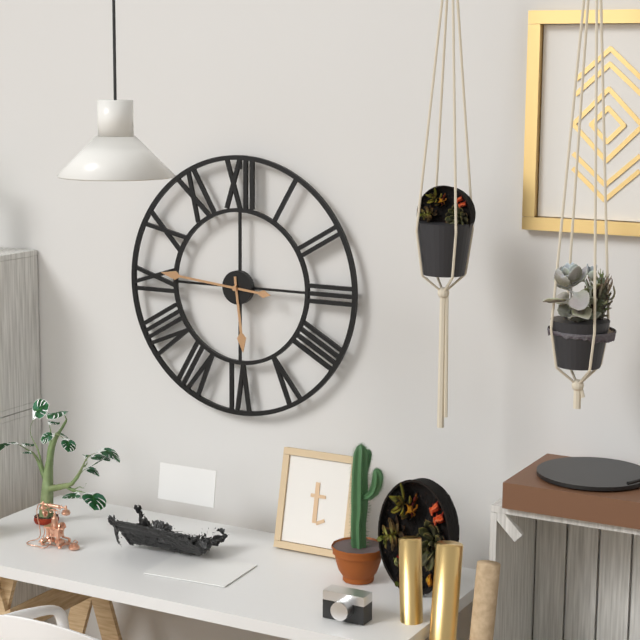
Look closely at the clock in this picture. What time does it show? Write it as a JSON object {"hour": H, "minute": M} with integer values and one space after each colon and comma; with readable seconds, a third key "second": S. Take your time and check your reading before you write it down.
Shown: {"hour": 5, "minute": 46}
